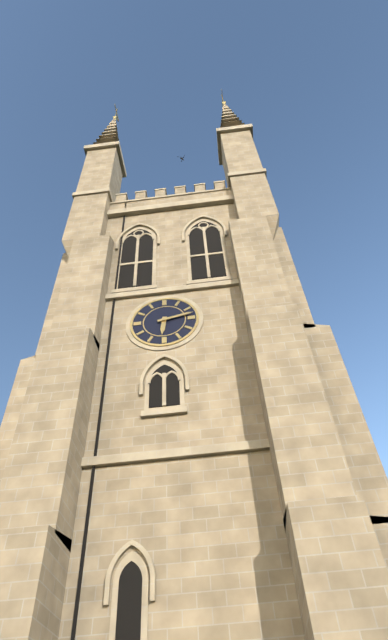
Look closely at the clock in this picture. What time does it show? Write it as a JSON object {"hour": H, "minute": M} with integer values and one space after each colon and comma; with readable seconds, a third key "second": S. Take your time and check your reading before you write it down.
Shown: {"hour": 6, "minute": 13}
